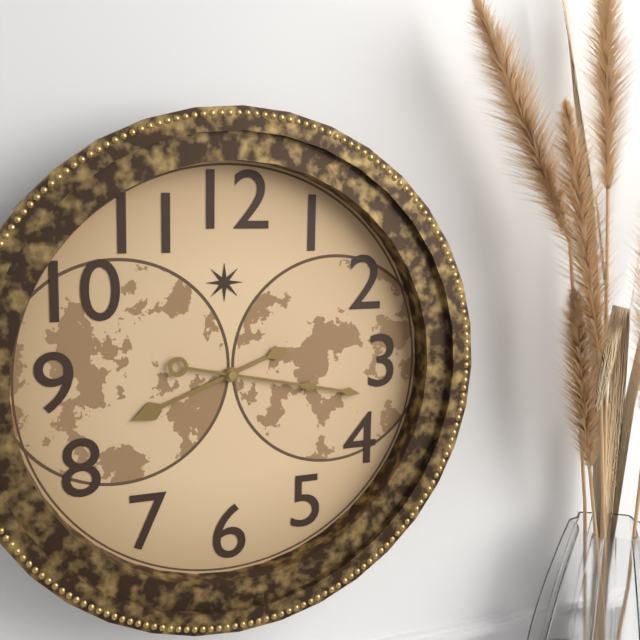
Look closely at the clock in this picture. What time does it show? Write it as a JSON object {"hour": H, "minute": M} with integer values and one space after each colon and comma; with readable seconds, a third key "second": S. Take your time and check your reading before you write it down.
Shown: {"hour": 8, "minute": 17}
